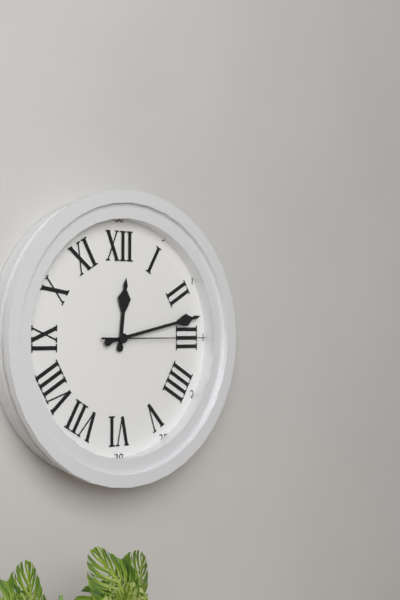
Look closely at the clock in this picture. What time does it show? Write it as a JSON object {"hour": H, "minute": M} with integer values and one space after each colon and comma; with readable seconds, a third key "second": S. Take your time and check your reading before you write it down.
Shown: {"hour": 12, "minute": 13, "second": 15}
